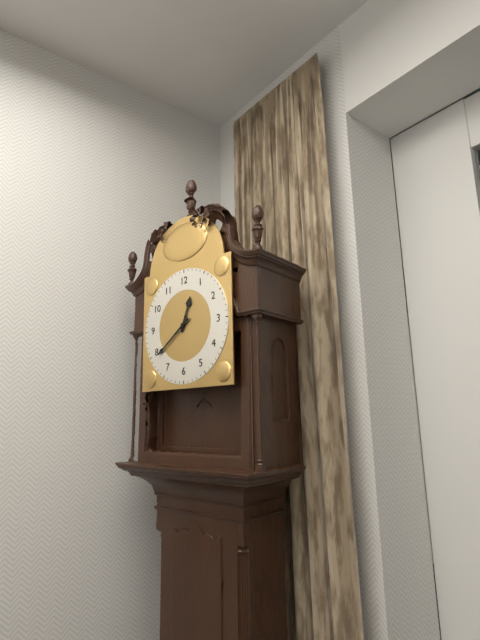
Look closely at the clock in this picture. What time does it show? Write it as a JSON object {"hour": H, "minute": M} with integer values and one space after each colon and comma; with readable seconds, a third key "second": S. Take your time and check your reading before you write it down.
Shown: {"hour": 12, "minute": 39}
